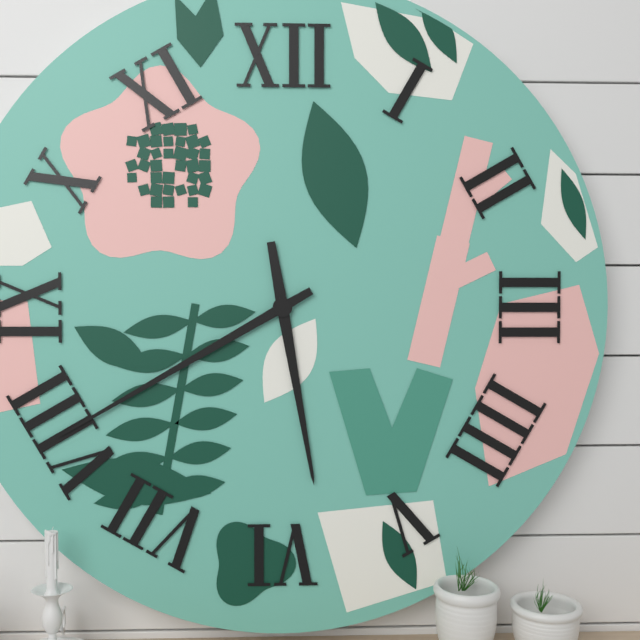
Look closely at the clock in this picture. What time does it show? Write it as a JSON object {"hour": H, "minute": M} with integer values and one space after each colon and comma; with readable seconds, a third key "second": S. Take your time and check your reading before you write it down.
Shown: {"hour": 5, "minute": 40}
